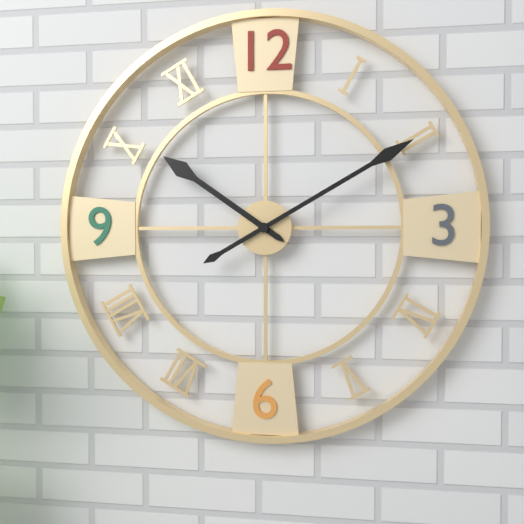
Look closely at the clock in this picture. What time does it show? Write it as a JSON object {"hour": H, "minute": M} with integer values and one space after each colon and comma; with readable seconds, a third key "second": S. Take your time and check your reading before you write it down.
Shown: {"hour": 10, "minute": 10}
